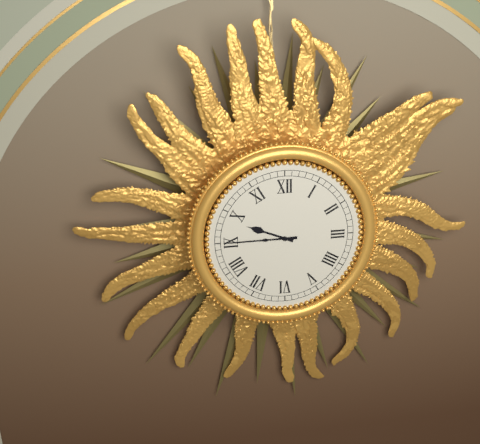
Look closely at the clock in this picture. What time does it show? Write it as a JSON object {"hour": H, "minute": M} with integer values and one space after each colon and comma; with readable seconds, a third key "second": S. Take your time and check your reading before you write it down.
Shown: {"hour": 9, "minute": 45}
